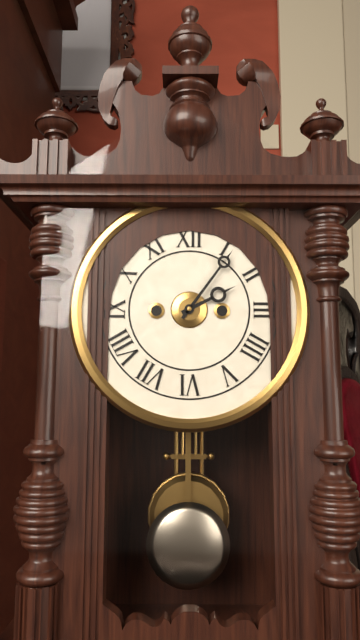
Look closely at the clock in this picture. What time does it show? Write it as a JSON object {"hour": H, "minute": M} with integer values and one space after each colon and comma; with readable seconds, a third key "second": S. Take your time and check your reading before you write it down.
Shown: {"hour": 2, "minute": 6}
